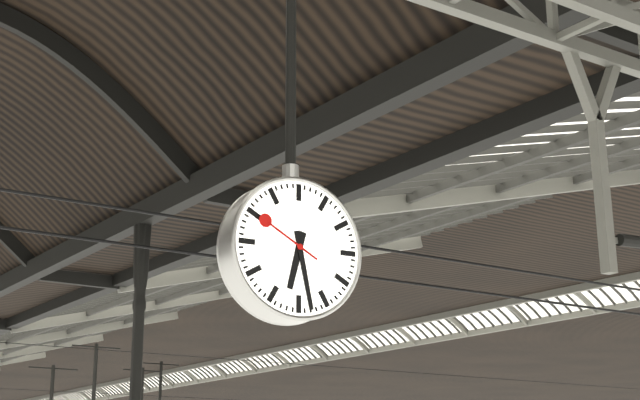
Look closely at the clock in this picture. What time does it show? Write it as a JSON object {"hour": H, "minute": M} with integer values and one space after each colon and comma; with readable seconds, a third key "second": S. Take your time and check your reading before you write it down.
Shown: {"hour": 6, "minute": 28, "second": 50}
